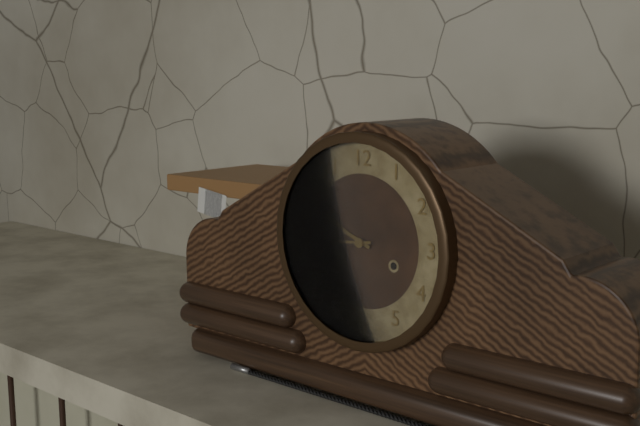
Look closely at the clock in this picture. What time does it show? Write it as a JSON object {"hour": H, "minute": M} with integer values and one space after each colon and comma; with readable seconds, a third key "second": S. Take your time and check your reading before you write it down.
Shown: {"hour": 9, "minute": 44}
